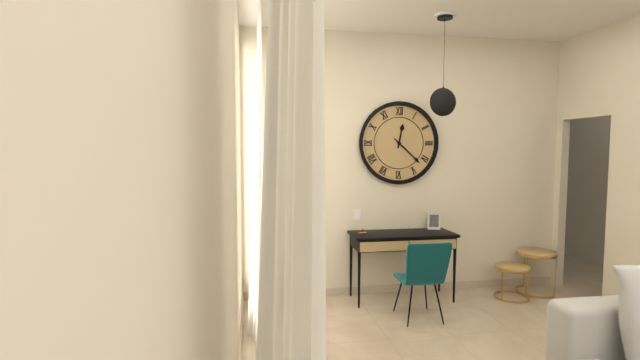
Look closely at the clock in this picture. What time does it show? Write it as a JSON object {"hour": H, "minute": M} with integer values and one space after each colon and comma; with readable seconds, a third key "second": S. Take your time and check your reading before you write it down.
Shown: {"hour": 12, "minute": 22}
